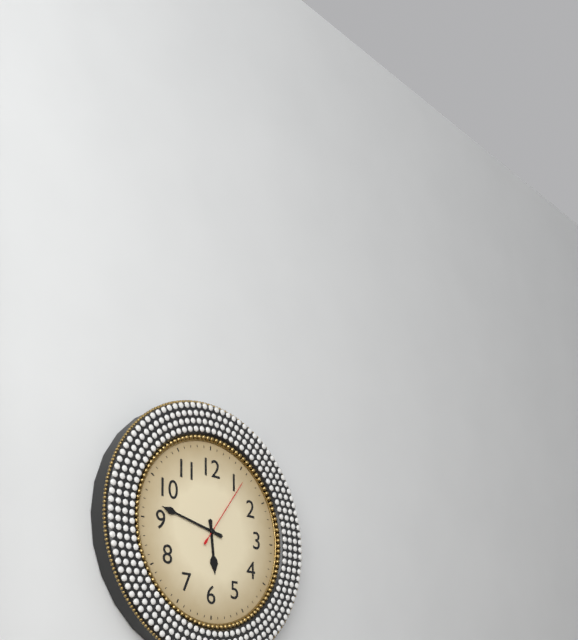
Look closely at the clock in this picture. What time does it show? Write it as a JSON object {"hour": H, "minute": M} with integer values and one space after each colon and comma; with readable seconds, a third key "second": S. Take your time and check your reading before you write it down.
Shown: {"hour": 5, "minute": 47, "second": 6}
